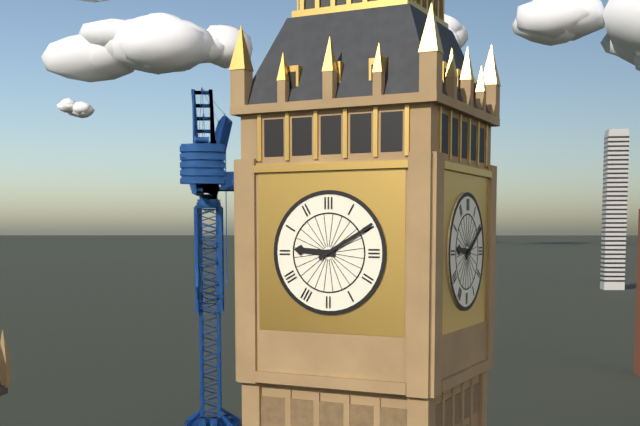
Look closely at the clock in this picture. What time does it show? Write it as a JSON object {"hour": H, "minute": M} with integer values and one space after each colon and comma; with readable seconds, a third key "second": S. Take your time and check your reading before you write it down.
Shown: {"hour": 9, "minute": 10}
